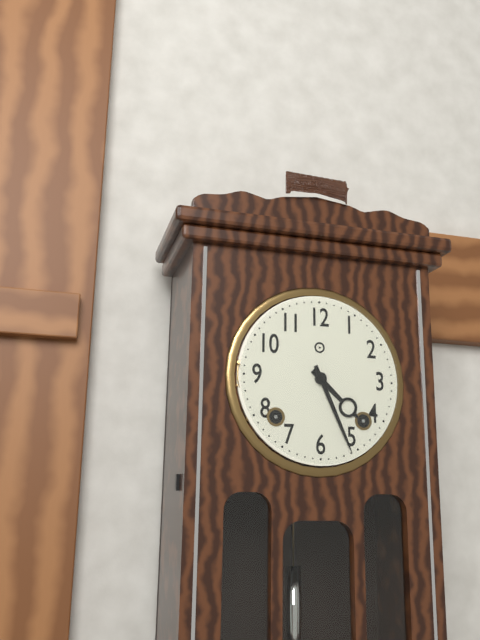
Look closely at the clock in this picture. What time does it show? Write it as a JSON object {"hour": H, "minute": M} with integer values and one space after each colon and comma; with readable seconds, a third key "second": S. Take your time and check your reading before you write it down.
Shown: {"hour": 4, "minute": 26}
